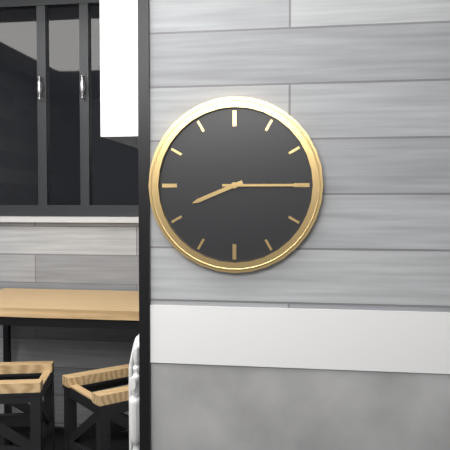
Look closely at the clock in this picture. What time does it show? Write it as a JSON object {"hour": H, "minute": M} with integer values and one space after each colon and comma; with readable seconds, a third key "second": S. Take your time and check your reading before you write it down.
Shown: {"hour": 8, "minute": 15}
